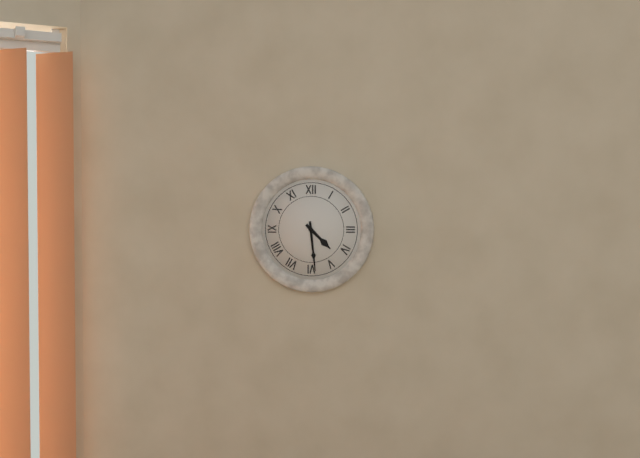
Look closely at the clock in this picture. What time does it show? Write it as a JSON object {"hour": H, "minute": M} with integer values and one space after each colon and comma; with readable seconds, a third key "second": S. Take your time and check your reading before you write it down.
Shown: {"hour": 4, "minute": 29}
